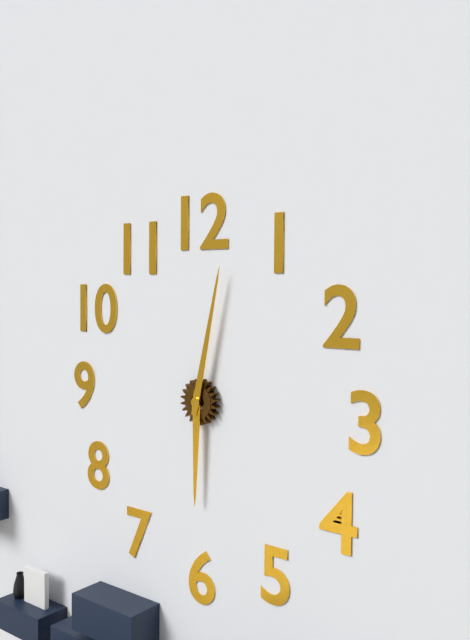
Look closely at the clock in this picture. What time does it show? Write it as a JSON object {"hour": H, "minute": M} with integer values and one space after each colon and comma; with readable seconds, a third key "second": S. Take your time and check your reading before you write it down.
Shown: {"hour": 6, "minute": 2}
